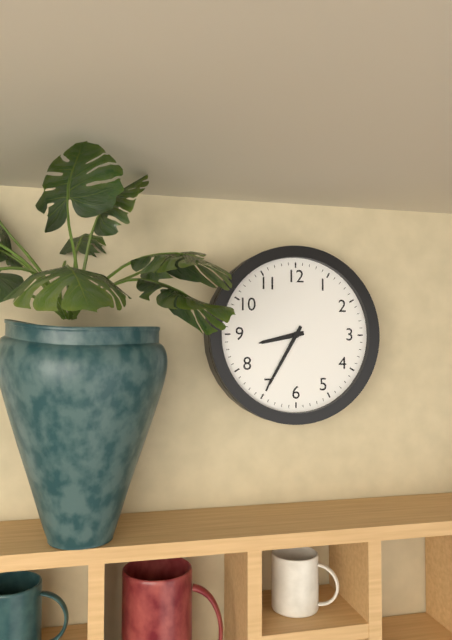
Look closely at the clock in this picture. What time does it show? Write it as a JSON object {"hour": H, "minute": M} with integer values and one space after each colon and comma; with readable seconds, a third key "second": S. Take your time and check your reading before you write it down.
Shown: {"hour": 8, "minute": 35}
